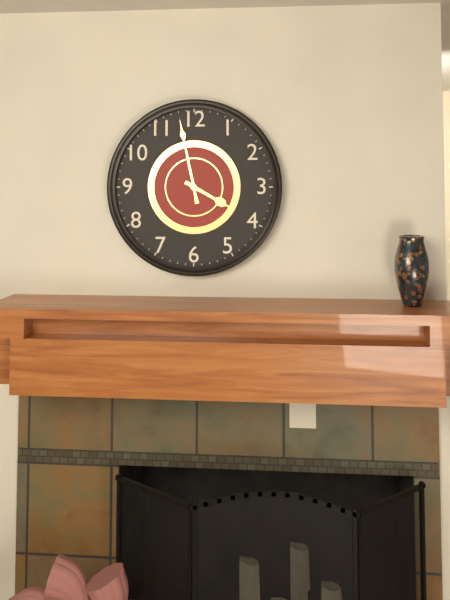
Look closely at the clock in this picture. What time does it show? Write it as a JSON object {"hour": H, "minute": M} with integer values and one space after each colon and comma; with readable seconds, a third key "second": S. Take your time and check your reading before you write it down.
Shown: {"hour": 3, "minute": 58}
